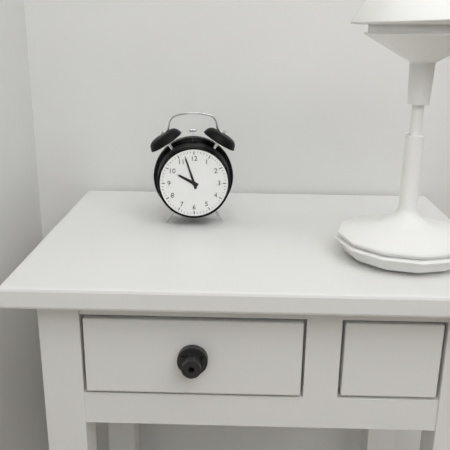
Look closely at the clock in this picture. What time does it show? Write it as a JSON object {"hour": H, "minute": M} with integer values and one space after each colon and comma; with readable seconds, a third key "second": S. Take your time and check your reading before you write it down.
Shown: {"hour": 9, "minute": 57}
